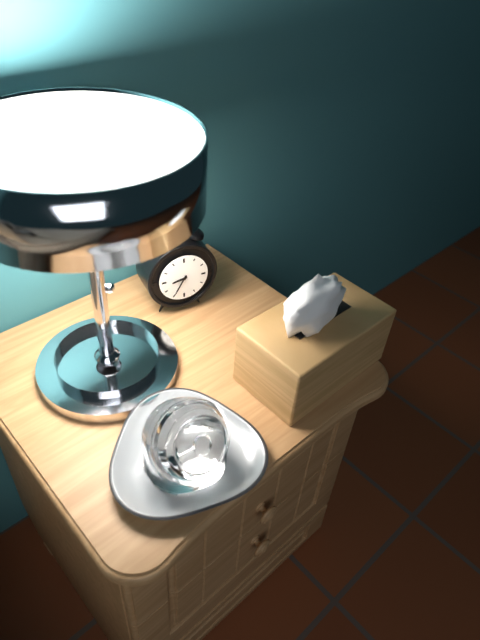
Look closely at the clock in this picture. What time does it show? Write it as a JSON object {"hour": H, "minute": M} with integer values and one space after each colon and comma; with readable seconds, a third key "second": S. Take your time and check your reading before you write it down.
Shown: {"hour": 8, "minute": 35}
